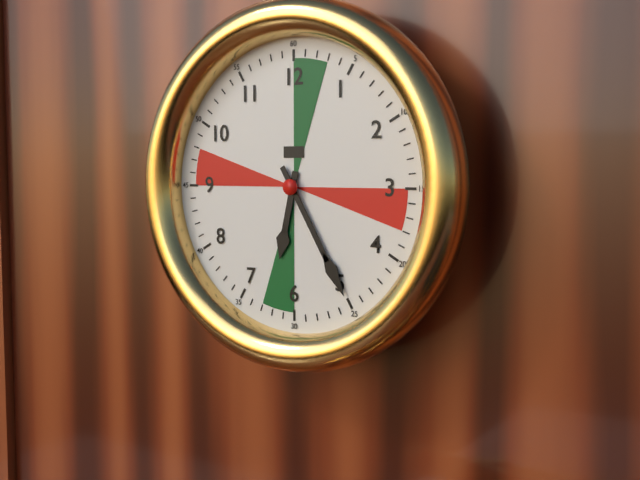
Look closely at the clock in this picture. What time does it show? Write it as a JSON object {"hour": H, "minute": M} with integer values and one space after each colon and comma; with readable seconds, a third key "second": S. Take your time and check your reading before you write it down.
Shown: {"hour": 6, "minute": 25}
